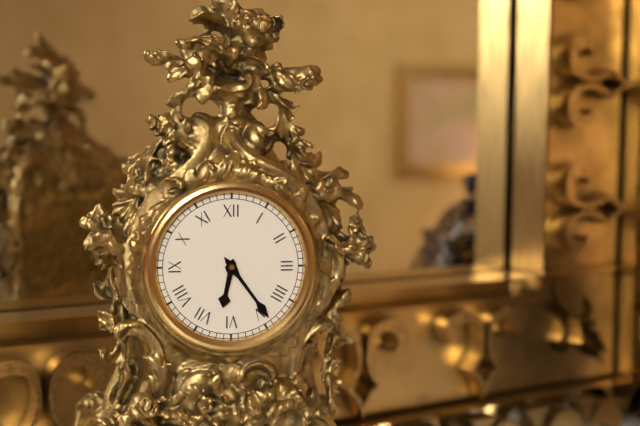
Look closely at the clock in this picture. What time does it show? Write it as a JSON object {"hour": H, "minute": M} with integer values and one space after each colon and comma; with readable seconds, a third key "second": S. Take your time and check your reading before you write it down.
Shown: {"hour": 6, "minute": 24}
